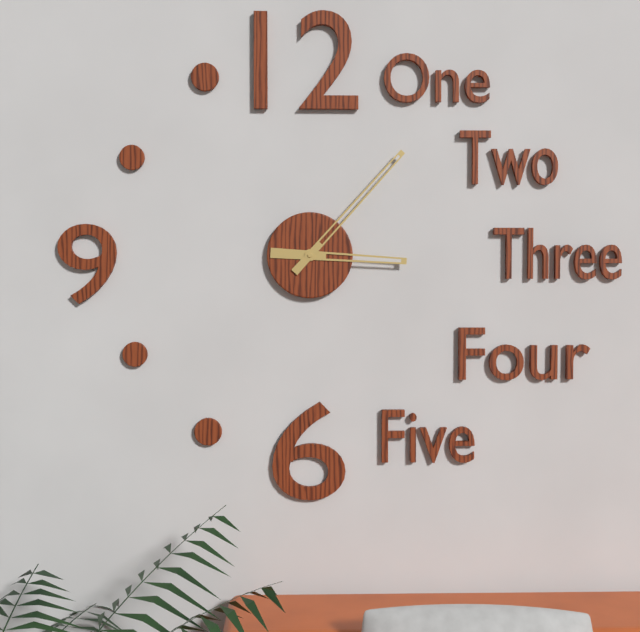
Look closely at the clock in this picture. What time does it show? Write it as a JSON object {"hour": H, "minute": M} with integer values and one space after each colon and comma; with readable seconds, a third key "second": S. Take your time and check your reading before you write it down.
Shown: {"hour": 3, "minute": 7}
